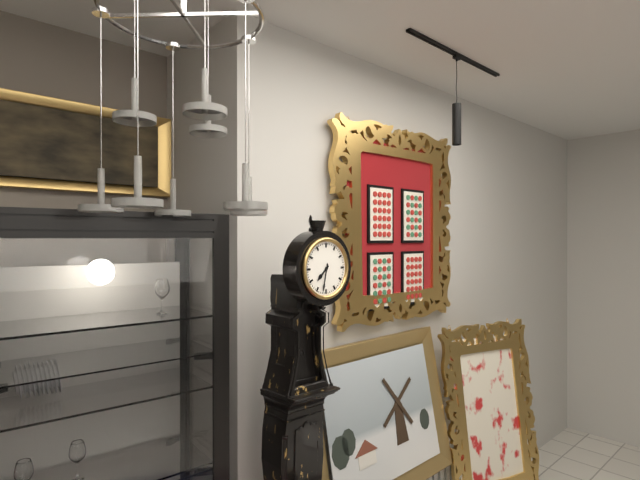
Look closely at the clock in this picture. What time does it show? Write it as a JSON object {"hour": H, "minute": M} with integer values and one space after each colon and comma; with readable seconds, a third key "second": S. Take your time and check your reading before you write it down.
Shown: {"hour": 7, "minute": 32}
